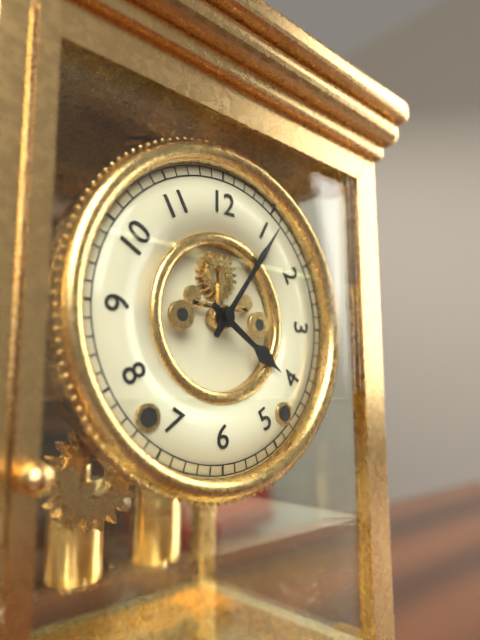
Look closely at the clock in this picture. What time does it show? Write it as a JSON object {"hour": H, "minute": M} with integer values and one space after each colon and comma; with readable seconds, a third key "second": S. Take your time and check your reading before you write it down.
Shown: {"hour": 4, "minute": 6}
